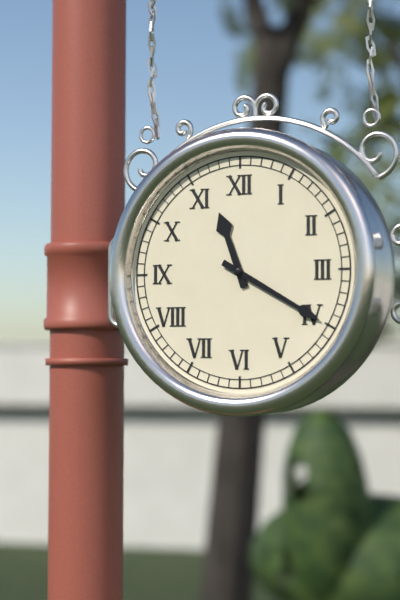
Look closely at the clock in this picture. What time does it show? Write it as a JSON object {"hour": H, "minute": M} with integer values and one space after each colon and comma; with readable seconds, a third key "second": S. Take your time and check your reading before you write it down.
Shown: {"hour": 11, "minute": 20}
